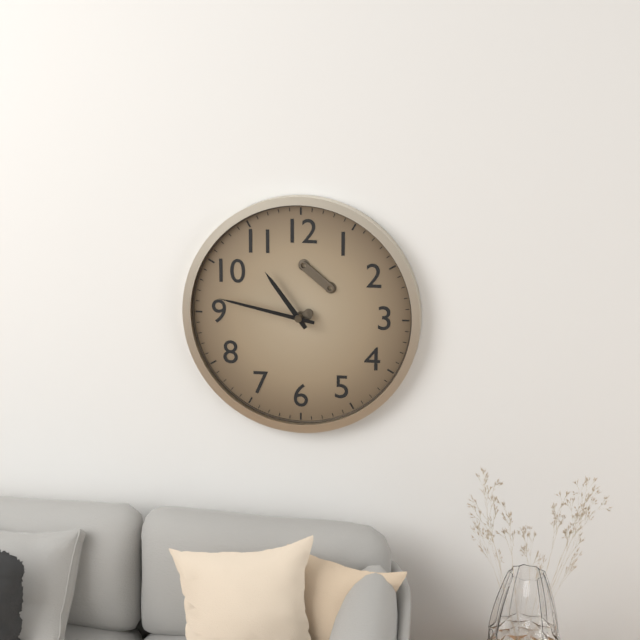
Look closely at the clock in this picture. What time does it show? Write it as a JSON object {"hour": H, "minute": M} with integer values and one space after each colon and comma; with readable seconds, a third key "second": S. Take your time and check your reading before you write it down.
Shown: {"hour": 10, "minute": 47}
